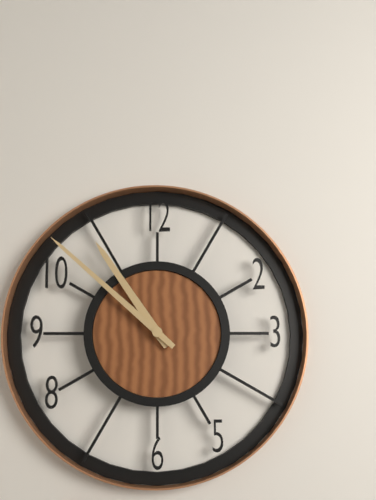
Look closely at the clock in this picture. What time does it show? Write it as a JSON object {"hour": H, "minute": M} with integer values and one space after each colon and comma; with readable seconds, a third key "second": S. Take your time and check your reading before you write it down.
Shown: {"hour": 10, "minute": 52}
